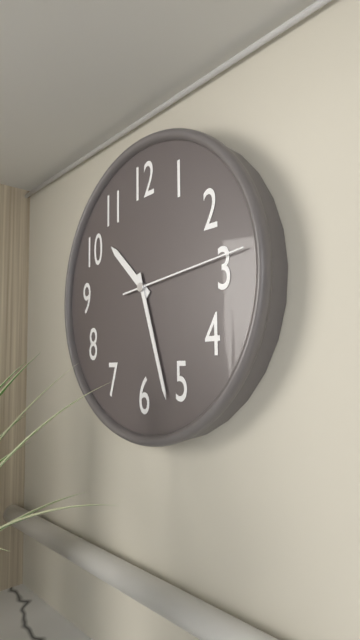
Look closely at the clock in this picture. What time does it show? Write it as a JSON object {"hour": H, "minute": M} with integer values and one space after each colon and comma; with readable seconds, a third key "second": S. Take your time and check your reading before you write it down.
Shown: {"hour": 10, "minute": 27, "second": 14}
